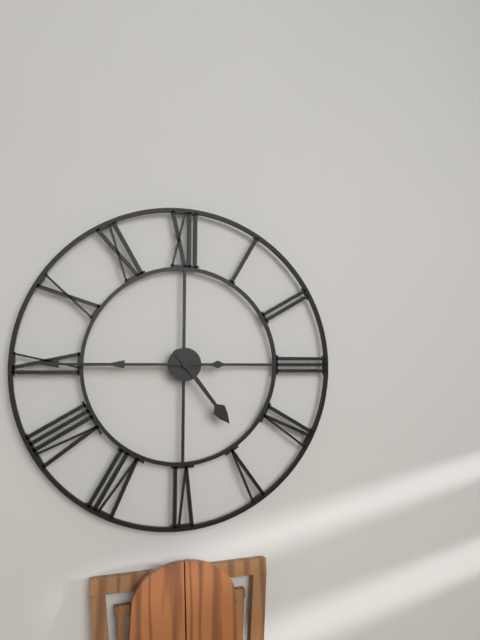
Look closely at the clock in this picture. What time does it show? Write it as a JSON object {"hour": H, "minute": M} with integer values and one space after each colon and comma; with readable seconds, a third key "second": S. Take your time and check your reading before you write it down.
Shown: {"hour": 4, "minute": 45}
